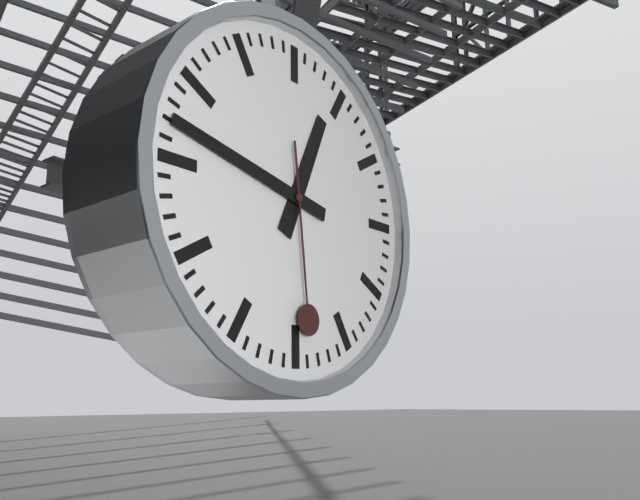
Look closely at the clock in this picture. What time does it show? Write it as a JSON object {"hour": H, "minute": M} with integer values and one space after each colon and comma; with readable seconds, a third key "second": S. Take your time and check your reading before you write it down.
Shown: {"hour": 12, "minute": 47, "second": 29}
